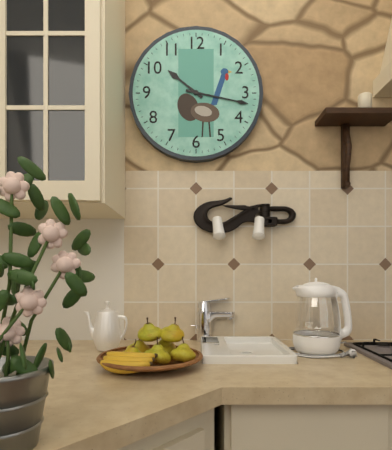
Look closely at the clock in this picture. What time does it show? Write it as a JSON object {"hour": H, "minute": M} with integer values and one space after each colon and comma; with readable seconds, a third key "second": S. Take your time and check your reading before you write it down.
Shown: {"hour": 10, "minute": 17}
